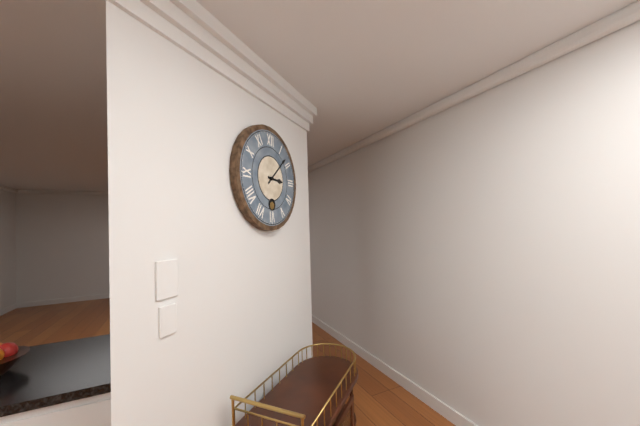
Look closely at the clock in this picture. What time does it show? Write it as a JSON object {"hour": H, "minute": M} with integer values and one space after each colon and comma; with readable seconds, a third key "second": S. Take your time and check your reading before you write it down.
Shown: {"hour": 3, "minute": 8}
